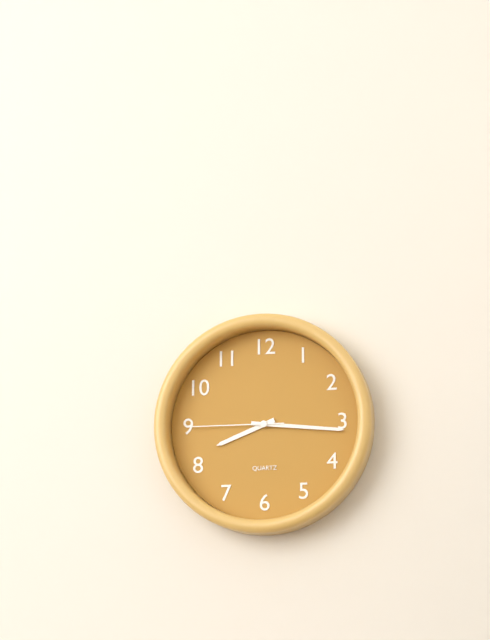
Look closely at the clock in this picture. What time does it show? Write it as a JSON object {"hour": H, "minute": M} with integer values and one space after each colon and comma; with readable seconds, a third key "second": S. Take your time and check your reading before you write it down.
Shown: {"hour": 8, "minute": 16, "second": 45}
